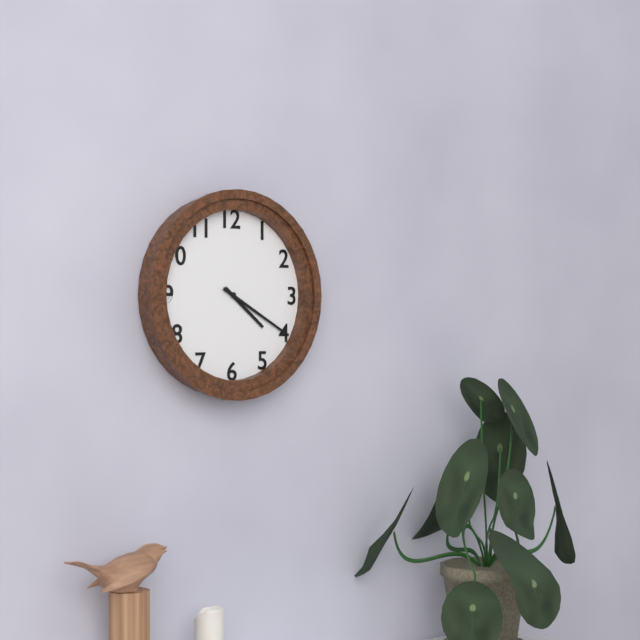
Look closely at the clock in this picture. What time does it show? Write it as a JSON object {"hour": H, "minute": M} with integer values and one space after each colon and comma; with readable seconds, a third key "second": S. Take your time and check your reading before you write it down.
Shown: {"hour": 4, "minute": 20}
